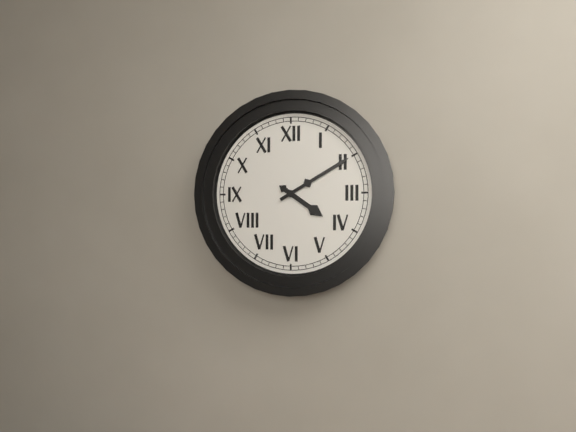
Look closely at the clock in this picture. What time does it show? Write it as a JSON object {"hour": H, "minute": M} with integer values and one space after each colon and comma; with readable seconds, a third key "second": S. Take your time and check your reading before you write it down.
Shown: {"hour": 4, "minute": 10}
